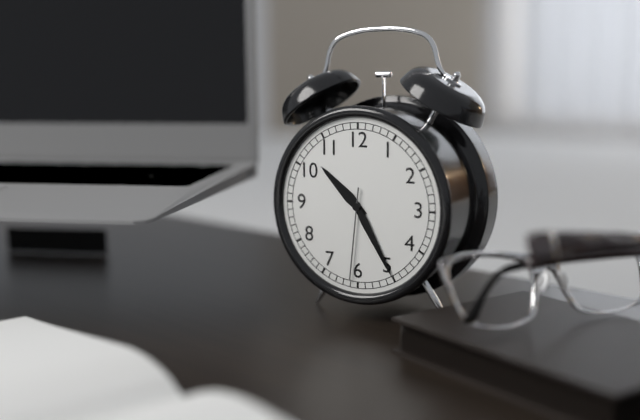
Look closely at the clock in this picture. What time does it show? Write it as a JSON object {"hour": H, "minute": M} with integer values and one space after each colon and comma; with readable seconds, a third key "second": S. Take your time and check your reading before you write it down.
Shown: {"hour": 10, "minute": 25, "second": 31}
